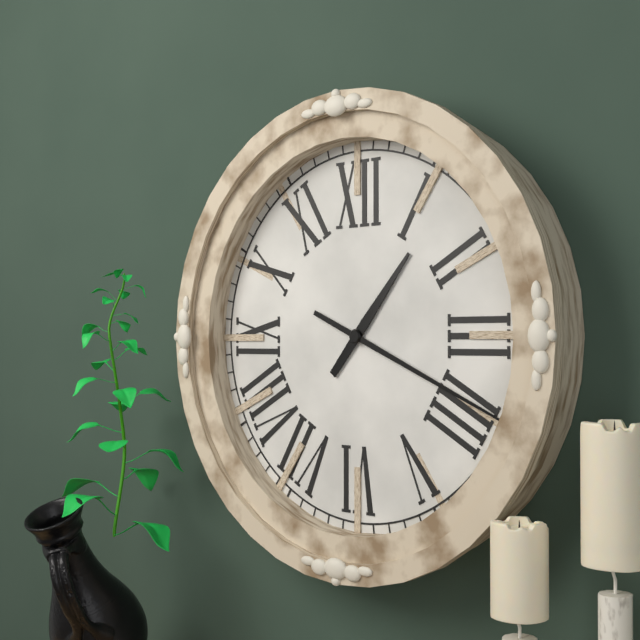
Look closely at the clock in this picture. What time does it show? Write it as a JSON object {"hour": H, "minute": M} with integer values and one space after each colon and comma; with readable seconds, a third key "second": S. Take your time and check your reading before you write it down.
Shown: {"hour": 1, "minute": 19}
